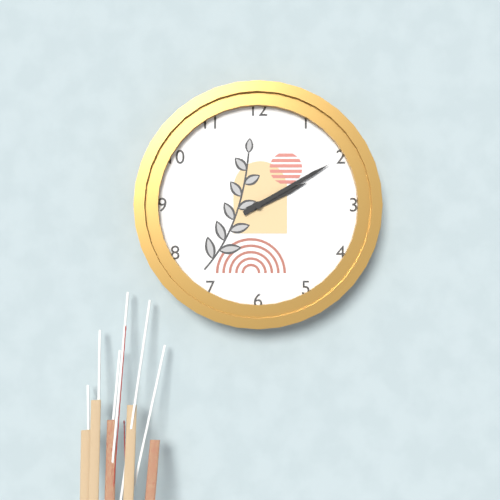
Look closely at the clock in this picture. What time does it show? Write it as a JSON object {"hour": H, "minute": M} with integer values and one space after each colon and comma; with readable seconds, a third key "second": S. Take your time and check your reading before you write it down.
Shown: {"hour": 2, "minute": 10}
